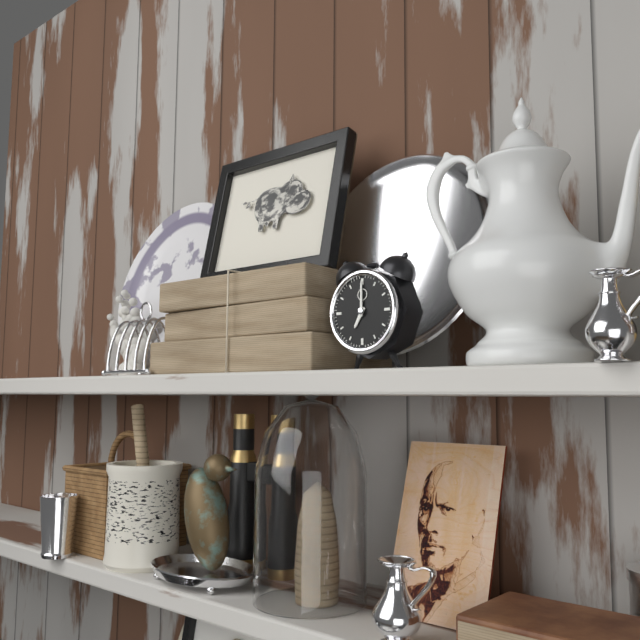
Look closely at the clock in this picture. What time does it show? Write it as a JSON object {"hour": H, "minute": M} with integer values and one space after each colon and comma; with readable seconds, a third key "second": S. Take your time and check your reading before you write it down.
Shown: {"hour": 7, "minute": 0}
